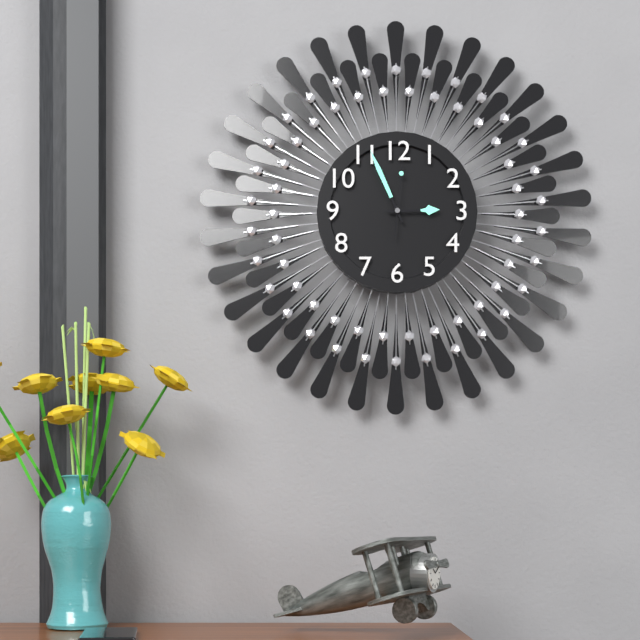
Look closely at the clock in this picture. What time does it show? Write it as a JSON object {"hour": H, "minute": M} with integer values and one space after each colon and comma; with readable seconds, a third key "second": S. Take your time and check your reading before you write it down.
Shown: {"hour": 2, "minute": 56, "second": 1}
